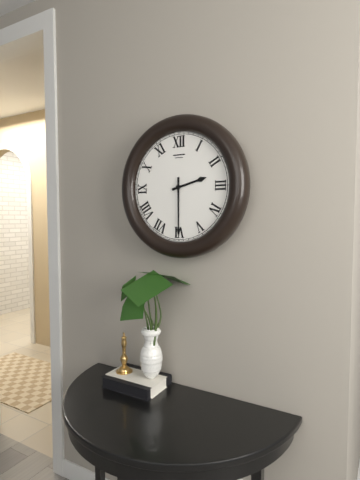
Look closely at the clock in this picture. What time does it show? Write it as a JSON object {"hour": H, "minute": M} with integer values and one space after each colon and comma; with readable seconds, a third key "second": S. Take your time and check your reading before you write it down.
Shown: {"hour": 2, "minute": 30}
